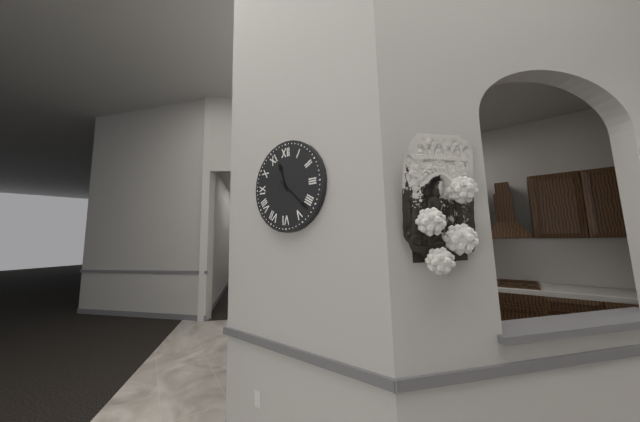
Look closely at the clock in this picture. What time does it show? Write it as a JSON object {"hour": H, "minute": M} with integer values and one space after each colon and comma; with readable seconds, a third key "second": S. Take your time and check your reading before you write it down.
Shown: {"hour": 11, "minute": 22}
